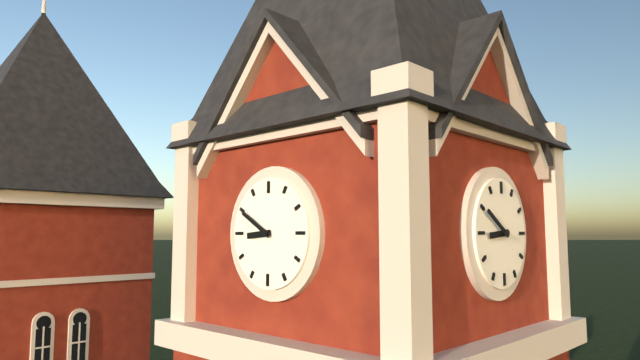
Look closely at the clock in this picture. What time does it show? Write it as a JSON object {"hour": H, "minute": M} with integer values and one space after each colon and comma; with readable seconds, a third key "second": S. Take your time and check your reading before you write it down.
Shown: {"hour": 8, "minute": 50}
